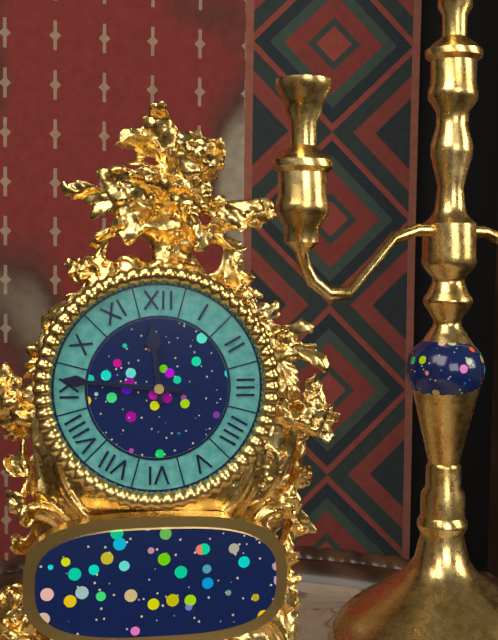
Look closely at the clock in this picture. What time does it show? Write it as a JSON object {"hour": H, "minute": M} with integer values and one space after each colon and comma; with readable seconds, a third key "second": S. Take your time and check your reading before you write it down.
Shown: {"hour": 11, "minute": 46}
